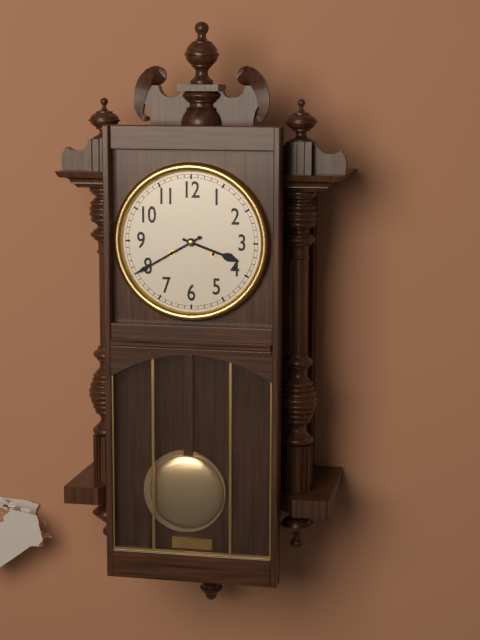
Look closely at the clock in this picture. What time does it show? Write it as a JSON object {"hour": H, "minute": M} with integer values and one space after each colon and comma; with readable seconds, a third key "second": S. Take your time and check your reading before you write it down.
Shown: {"hour": 3, "minute": 40}
